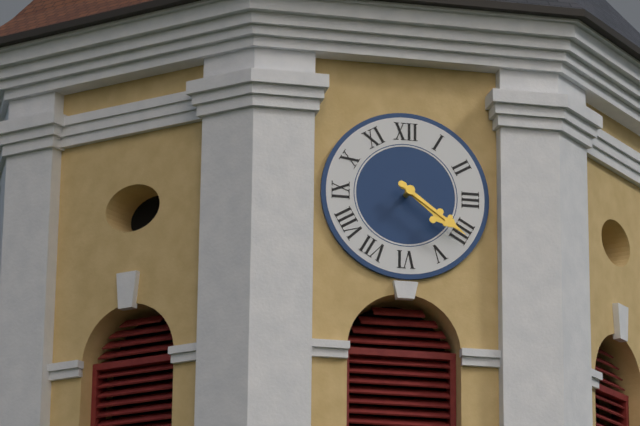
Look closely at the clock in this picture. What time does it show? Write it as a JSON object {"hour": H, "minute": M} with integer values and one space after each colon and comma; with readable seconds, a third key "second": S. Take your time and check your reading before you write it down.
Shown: {"hour": 4, "minute": 21}
